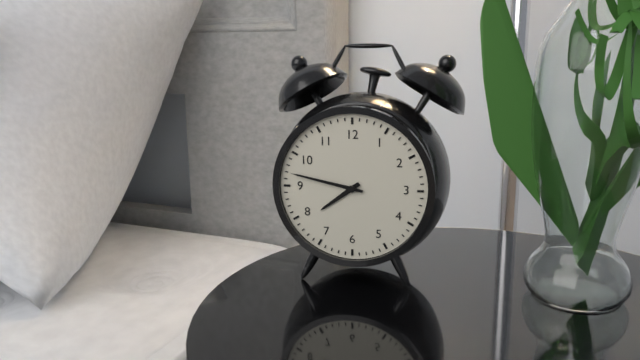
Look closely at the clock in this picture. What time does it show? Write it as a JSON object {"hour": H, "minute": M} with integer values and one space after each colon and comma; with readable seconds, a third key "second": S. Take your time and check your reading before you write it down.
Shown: {"hour": 7, "minute": 47}
